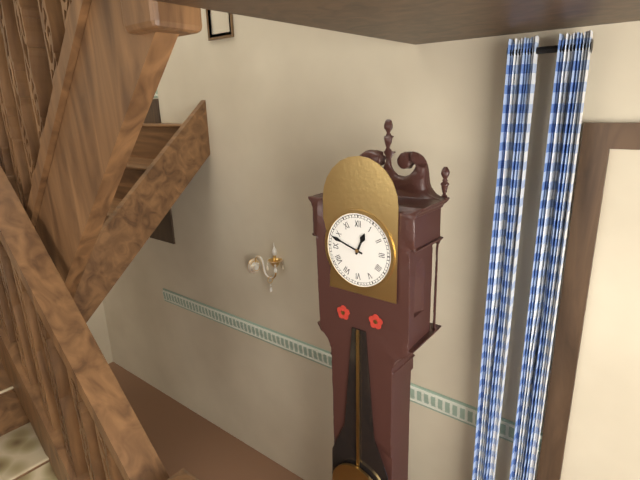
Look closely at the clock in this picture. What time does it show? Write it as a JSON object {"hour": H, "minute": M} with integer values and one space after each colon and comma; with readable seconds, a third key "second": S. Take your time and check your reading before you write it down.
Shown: {"hour": 12, "minute": 48}
